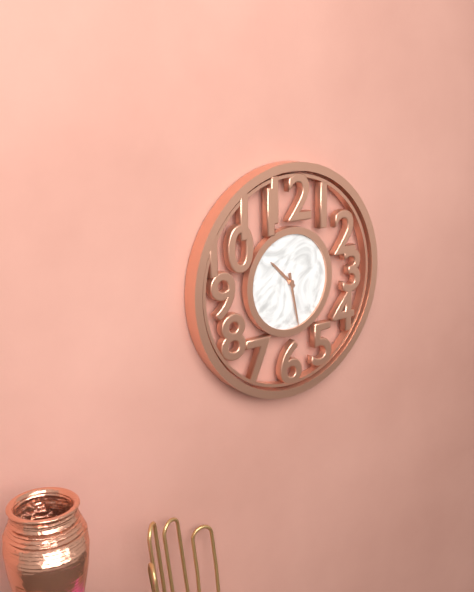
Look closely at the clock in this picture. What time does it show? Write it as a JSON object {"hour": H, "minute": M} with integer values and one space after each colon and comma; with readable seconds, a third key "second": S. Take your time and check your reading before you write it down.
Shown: {"hour": 10, "minute": 28}
